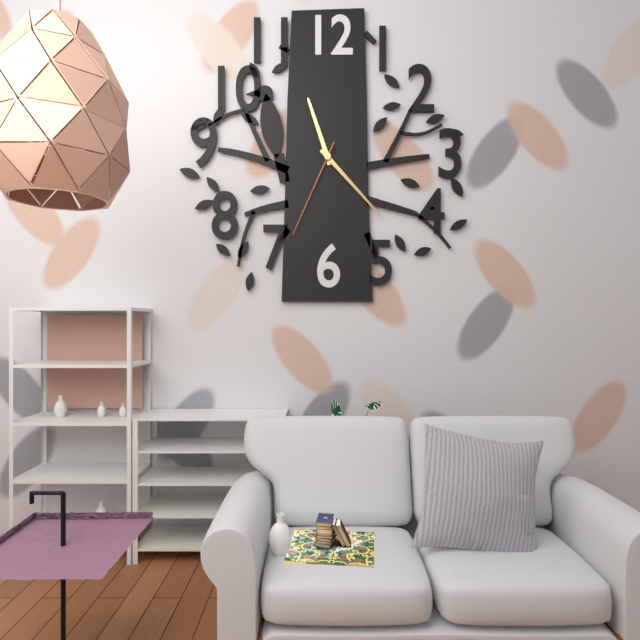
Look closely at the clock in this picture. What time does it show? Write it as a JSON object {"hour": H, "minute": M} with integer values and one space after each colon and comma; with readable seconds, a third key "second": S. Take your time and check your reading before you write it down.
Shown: {"hour": 11, "minute": 23, "second": 34}
